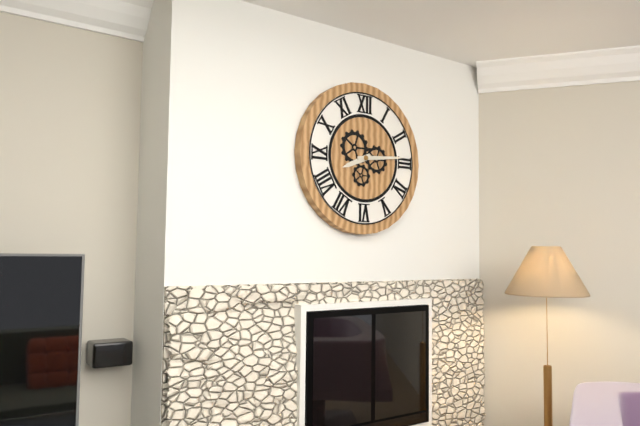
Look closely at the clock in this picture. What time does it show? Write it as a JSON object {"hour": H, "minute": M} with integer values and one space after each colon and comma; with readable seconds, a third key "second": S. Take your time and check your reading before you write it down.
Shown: {"hour": 8, "minute": 14}
